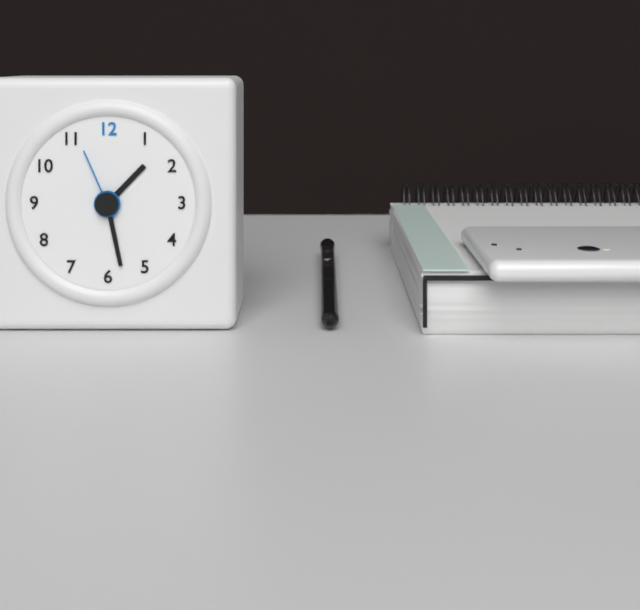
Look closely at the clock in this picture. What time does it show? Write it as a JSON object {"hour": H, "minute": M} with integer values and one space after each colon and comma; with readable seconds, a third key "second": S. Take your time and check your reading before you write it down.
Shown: {"hour": 1, "minute": 28, "second": 56}
